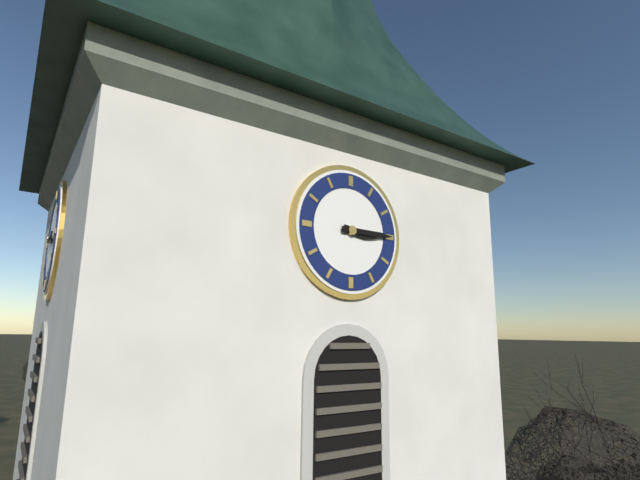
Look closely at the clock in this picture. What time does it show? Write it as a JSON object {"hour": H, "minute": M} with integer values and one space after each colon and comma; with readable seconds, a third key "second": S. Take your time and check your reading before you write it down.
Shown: {"hour": 3, "minute": 15}
